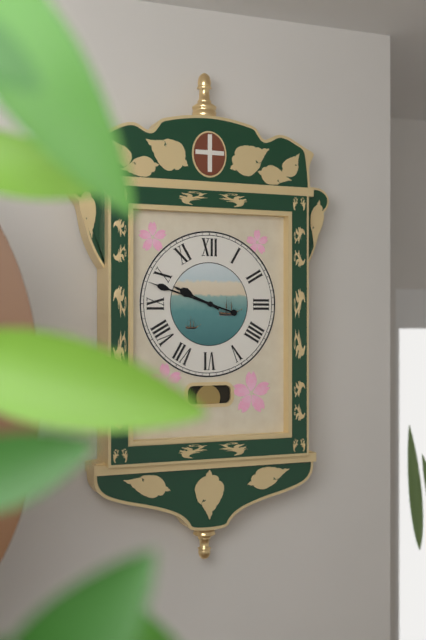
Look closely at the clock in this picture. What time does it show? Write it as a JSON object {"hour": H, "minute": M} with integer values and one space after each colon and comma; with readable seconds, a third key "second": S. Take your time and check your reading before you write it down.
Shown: {"hour": 9, "minute": 48}
